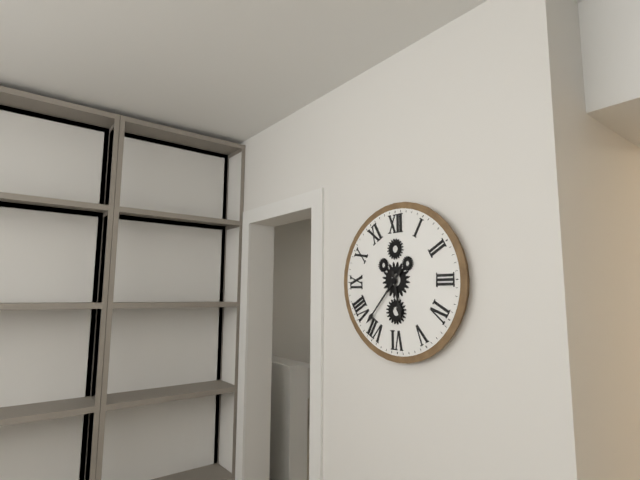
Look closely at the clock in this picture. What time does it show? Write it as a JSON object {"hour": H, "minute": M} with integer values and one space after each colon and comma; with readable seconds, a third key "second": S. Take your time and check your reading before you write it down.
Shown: {"hour": 5, "minute": 37}
